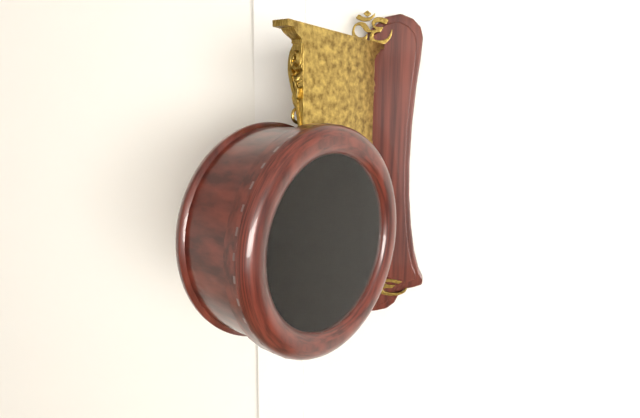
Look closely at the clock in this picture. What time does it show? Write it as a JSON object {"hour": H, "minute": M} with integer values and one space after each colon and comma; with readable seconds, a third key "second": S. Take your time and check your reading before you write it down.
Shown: {"hour": 4, "minute": 46}
